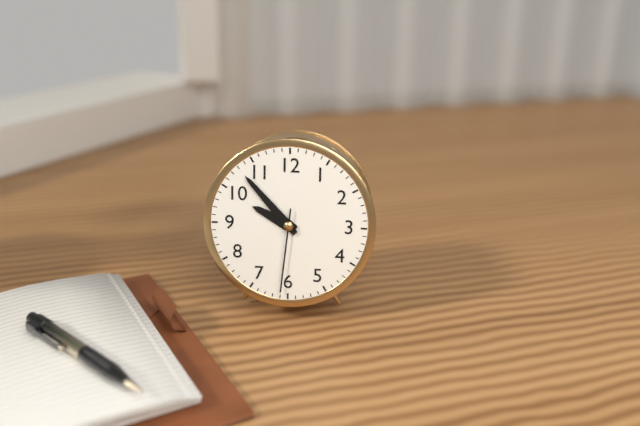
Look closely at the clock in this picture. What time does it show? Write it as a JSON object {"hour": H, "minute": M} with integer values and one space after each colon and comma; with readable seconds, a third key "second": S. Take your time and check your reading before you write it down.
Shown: {"hour": 9, "minute": 53, "second": 31}
